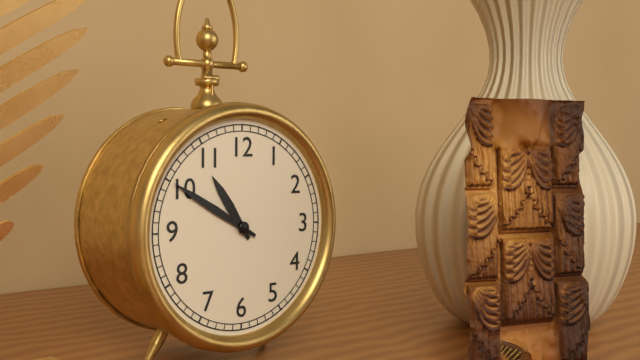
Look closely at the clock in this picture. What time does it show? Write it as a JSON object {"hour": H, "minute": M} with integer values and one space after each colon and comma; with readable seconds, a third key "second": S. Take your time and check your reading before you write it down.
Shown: {"hour": 10, "minute": 50}
